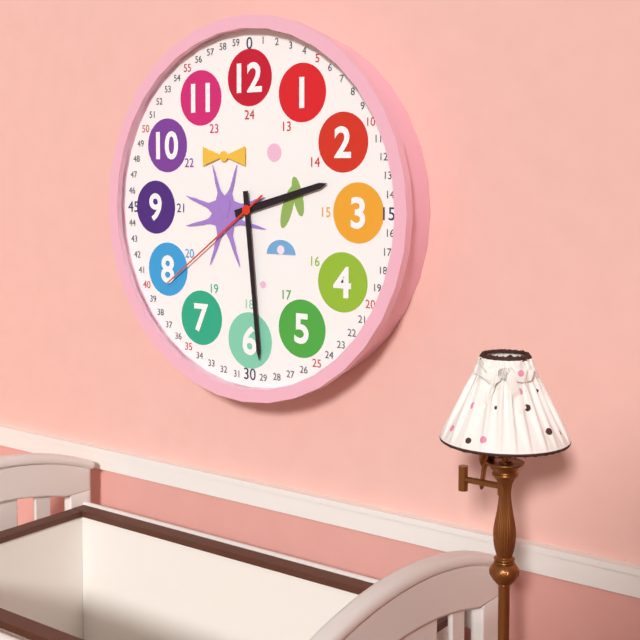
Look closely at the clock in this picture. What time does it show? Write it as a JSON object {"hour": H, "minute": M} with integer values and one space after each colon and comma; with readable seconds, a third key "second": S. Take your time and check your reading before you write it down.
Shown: {"hour": 2, "minute": 29, "second": 39}
